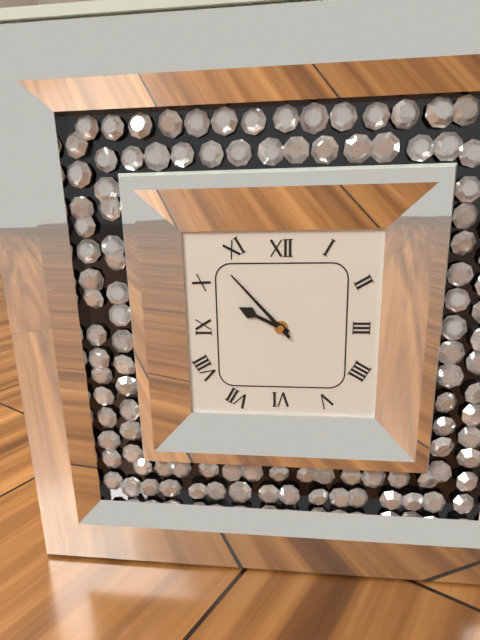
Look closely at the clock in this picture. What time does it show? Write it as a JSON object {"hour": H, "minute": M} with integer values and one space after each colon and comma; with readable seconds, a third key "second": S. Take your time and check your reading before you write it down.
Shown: {"hour": 9, "minute": 53}
